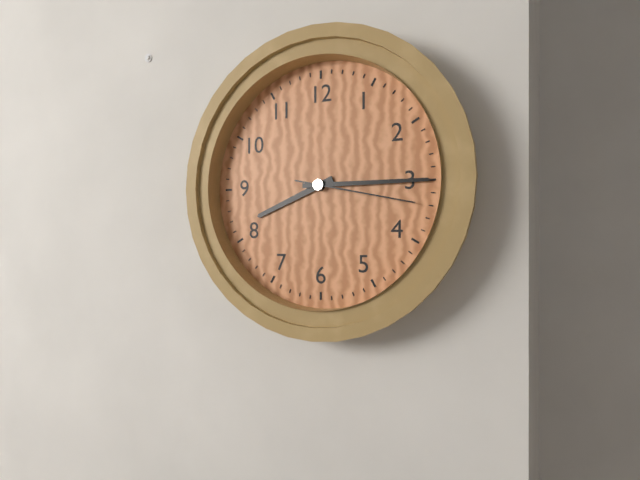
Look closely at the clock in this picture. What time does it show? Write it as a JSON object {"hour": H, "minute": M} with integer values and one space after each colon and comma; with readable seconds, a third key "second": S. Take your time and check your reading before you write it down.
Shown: {"hour": 8, "minute": 15, "second": 17}
